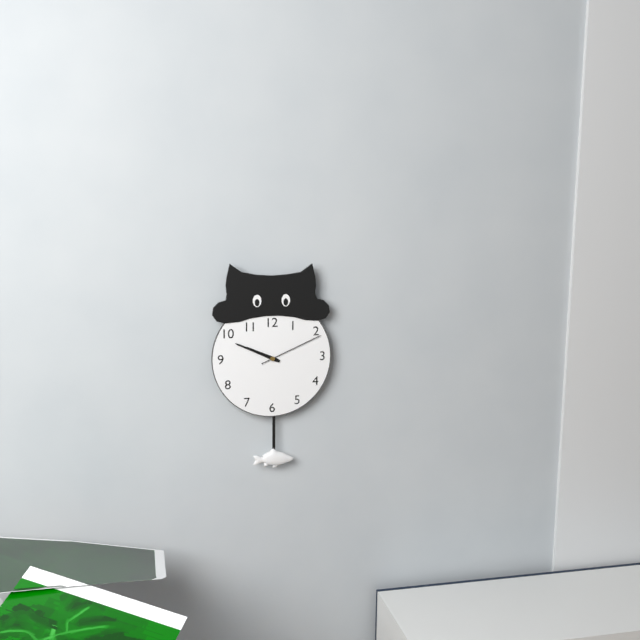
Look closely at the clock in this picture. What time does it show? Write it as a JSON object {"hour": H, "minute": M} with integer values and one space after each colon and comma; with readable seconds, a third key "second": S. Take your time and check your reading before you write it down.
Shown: {"hour": 9, "minute": 49, "second": 11}
